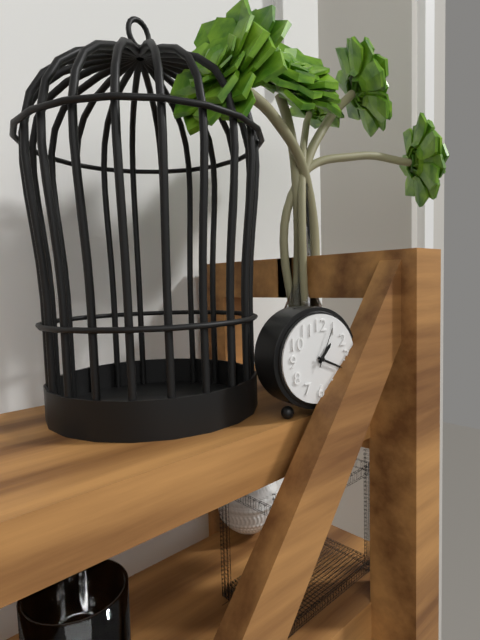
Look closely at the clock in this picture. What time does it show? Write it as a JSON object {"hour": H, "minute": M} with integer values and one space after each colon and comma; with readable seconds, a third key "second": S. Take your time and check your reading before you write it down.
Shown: {"hour": 1, "minute": 19}
